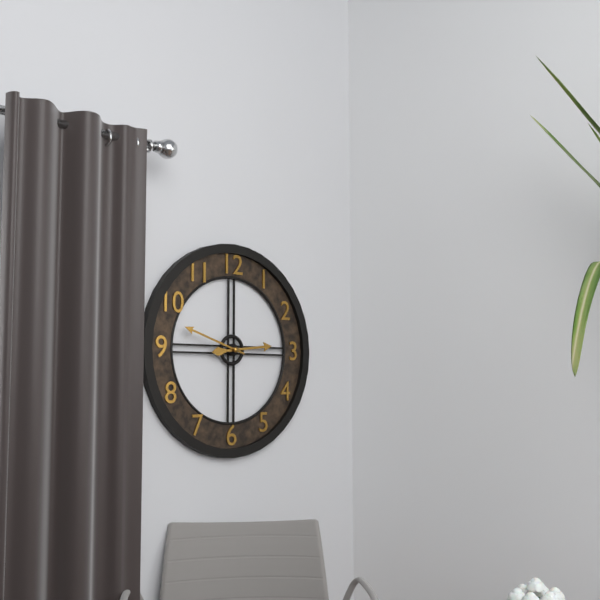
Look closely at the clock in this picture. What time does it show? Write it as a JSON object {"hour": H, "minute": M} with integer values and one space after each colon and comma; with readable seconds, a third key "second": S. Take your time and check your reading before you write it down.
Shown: {"hour": 2, "minute": 48}
